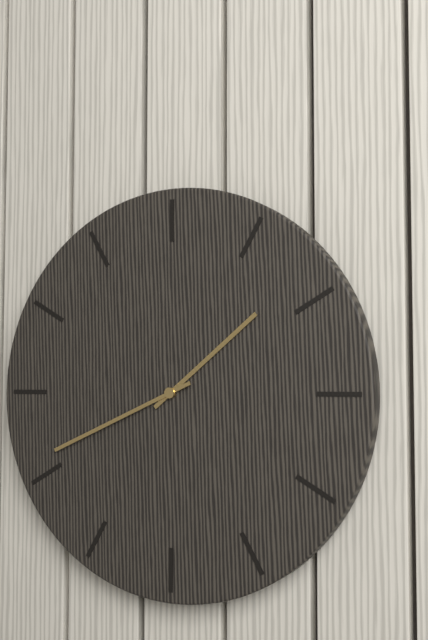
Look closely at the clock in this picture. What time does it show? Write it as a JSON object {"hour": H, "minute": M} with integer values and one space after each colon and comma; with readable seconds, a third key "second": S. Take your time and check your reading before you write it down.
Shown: {"hour": 1, "minute": 41}
